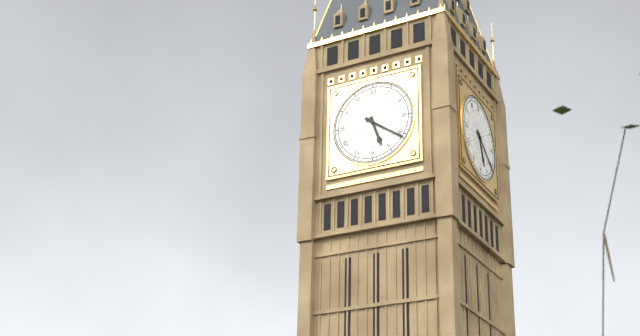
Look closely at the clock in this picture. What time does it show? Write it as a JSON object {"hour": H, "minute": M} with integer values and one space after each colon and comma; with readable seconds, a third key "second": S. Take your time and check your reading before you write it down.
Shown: {"hour": 5, "minute": 21}
